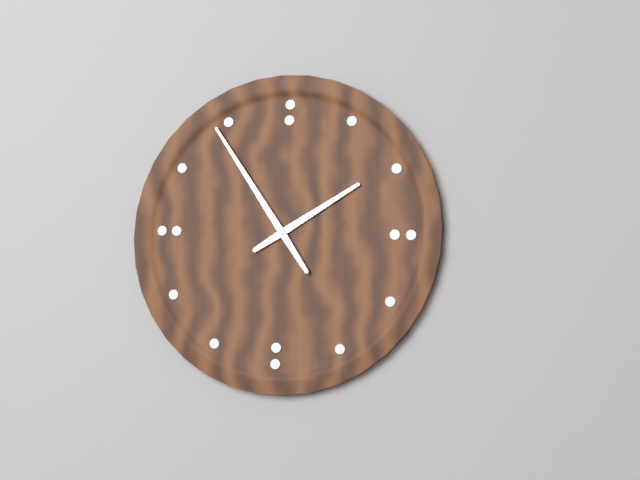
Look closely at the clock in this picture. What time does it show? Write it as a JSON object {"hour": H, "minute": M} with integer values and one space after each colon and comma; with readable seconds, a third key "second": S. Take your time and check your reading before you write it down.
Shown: {"hour": 1, "minute": 54}
